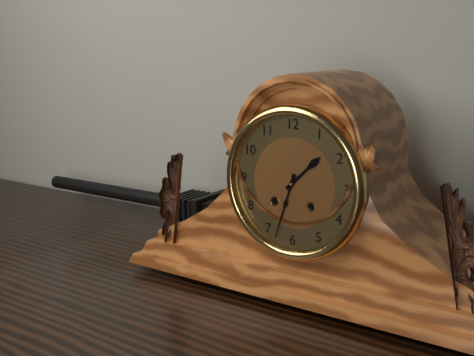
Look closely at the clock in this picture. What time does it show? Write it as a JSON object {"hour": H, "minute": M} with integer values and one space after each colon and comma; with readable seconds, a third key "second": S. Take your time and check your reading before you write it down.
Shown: {"hour": 1, "minute": 33}
